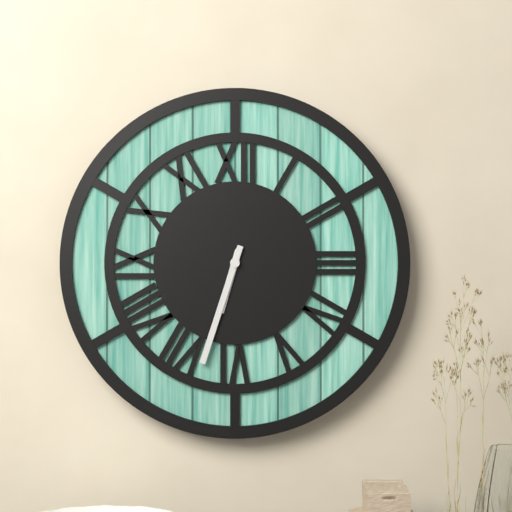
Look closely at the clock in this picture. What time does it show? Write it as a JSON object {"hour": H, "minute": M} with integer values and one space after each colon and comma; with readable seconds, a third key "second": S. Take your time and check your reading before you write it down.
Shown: {"hour": 6, "minute": 33}
